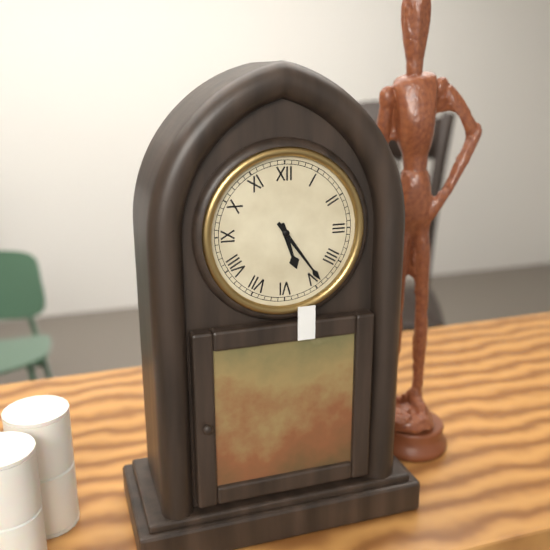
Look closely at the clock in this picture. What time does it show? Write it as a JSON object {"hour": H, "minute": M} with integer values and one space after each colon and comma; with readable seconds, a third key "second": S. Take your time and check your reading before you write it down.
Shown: {"hour": 5, "minute": 24}
